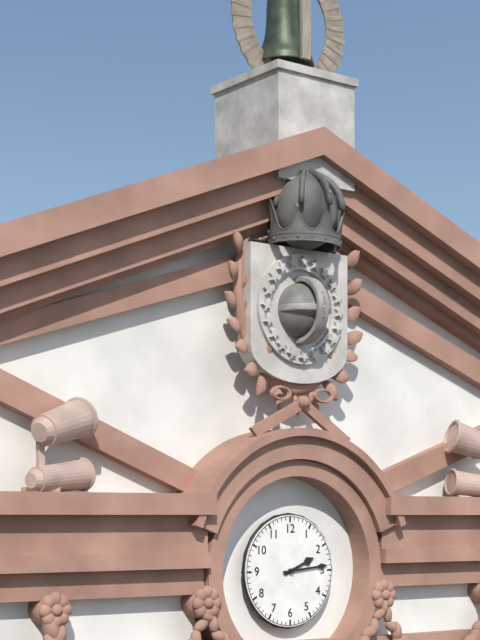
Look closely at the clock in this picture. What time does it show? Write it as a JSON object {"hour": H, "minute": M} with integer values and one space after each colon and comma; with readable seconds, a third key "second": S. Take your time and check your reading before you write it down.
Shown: {"hour": 2, "minute": 14}
